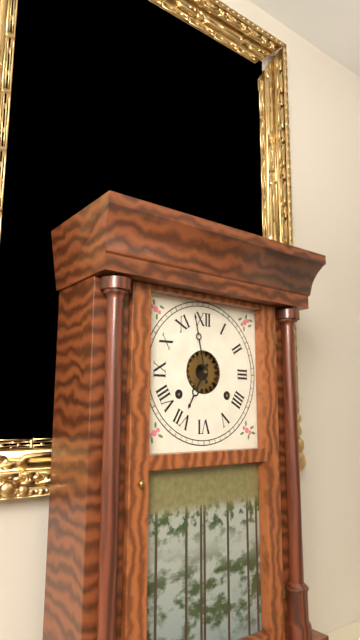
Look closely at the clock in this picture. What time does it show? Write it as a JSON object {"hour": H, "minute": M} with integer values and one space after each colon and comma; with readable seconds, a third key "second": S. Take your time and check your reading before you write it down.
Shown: {"hour": 6, "minute": 58}
